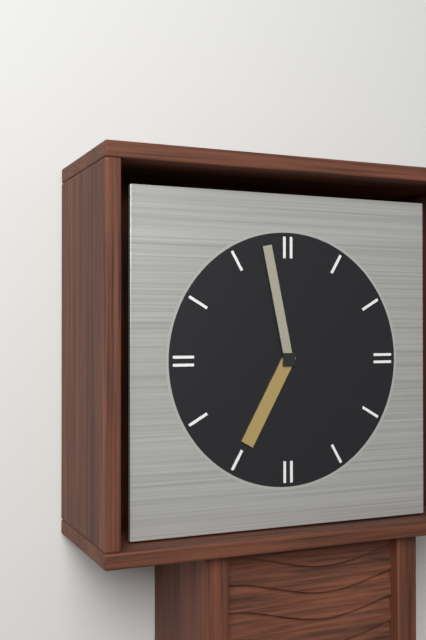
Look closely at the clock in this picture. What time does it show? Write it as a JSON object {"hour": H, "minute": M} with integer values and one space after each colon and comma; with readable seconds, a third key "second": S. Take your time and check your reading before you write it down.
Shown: {"hour": 6, "minute": 58}
